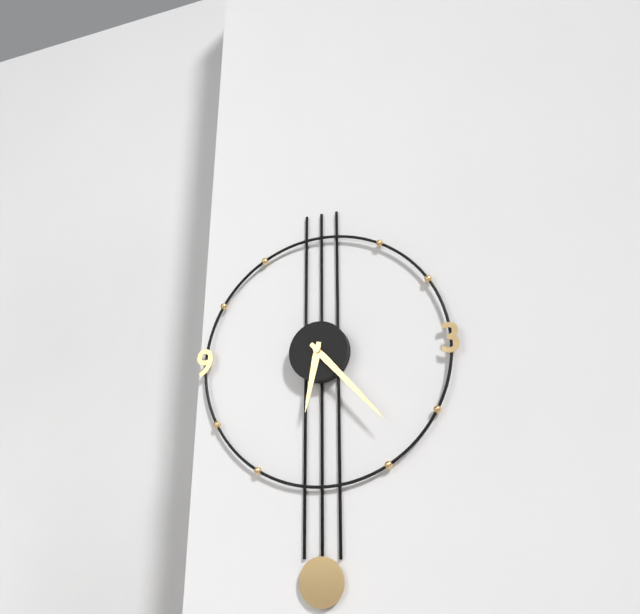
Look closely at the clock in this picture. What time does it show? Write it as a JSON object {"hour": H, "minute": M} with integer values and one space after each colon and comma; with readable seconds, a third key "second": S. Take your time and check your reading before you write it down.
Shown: {"hour": 6, "minute": 23}
